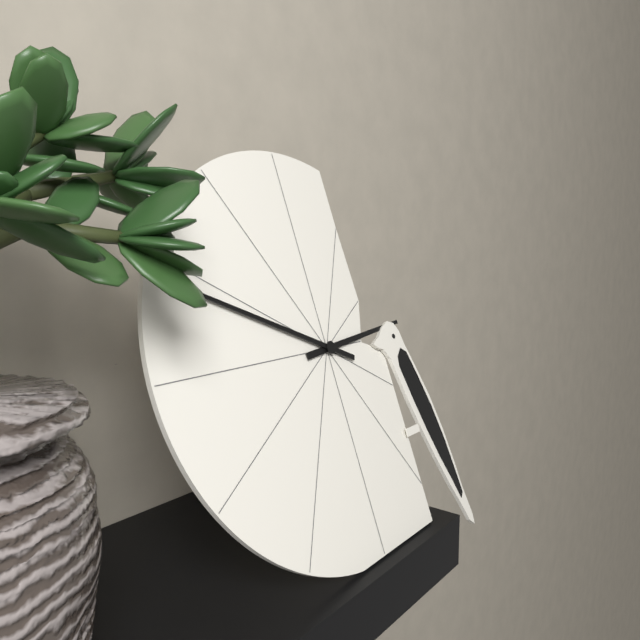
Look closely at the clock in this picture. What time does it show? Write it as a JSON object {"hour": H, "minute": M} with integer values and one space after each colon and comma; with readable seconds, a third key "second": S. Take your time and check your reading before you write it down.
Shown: {"hour": 2, "minute": 49}
